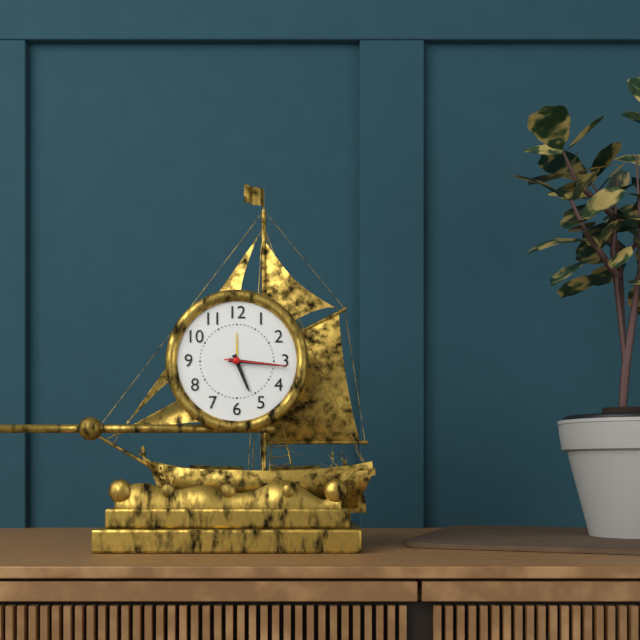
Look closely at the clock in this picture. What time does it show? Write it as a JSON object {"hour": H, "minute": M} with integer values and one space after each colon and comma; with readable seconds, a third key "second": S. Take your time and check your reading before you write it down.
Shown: {"hour": 5, "minute": 16, "second": 16}
